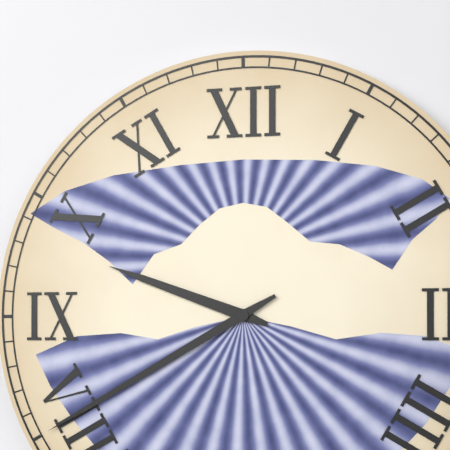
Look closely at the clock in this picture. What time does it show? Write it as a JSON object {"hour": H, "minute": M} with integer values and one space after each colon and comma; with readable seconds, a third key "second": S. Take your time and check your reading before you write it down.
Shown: {"hour": 9, "minute": 40}
